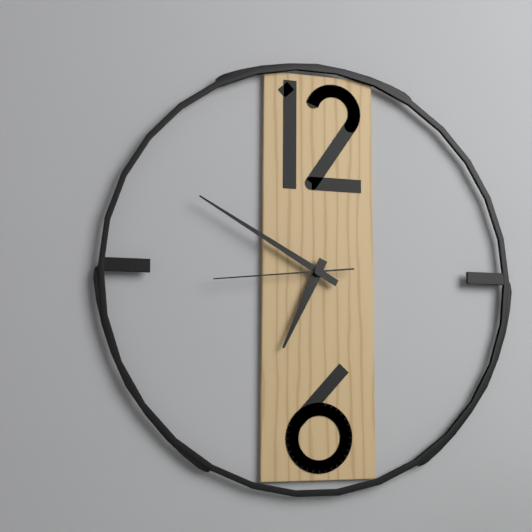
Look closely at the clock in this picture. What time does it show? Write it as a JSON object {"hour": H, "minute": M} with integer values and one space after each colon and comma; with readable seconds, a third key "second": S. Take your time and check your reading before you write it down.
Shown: {"hour": 6, "minute": 50, "second": 44}
